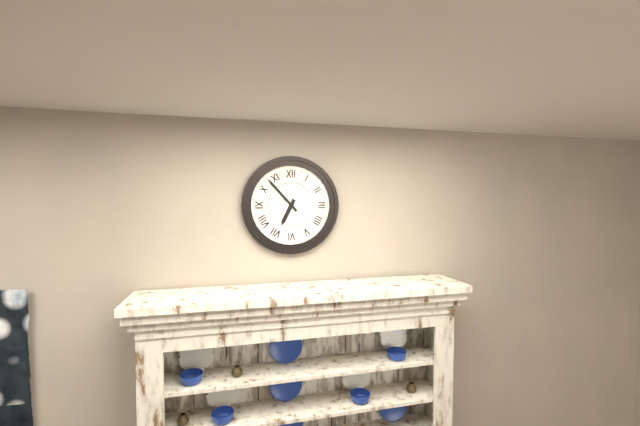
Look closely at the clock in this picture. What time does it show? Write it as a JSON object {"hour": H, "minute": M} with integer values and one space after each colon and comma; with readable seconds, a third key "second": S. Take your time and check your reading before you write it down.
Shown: {"hour": 6, "minute": 53}
